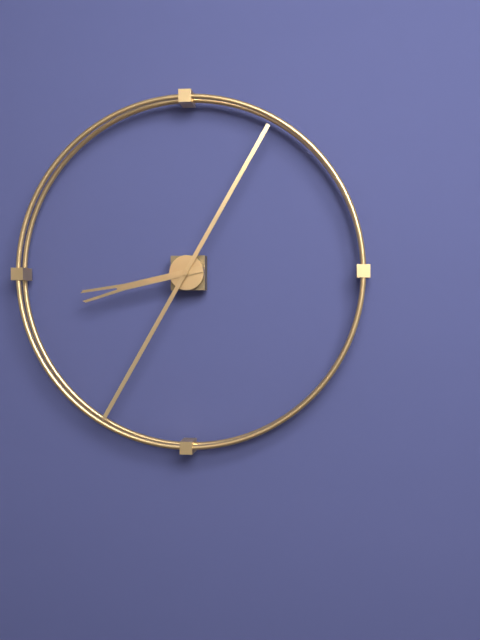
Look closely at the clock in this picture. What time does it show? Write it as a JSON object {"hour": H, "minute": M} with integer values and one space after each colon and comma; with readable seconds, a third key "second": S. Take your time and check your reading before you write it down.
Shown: {"hour": 8, "minute": 35}
